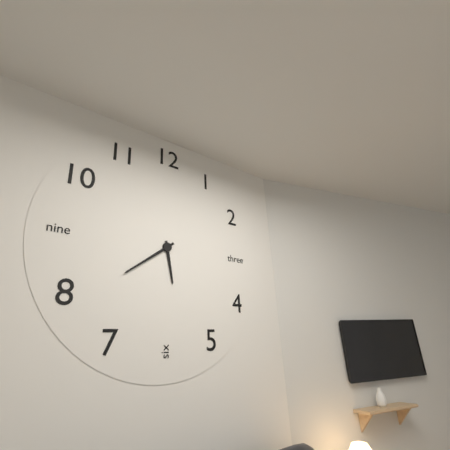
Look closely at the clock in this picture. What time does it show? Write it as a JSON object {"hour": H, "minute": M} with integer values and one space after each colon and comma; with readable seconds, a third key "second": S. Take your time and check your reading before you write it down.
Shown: {"hour": 5, "minute": 39}
